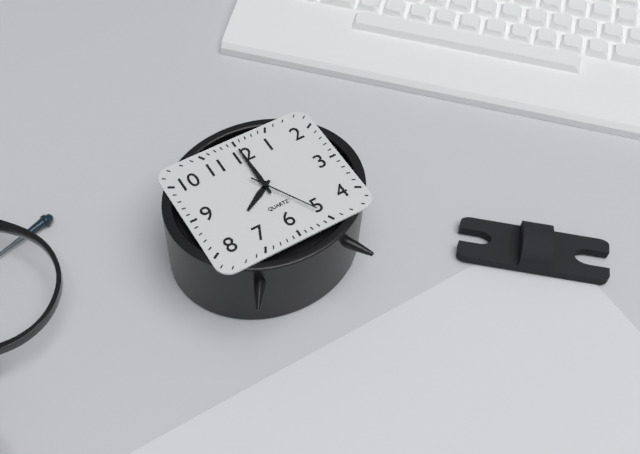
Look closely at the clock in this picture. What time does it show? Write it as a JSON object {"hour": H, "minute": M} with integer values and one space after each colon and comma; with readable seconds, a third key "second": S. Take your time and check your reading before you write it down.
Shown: {"hour": 8, "minute": 0, "second": 25}
